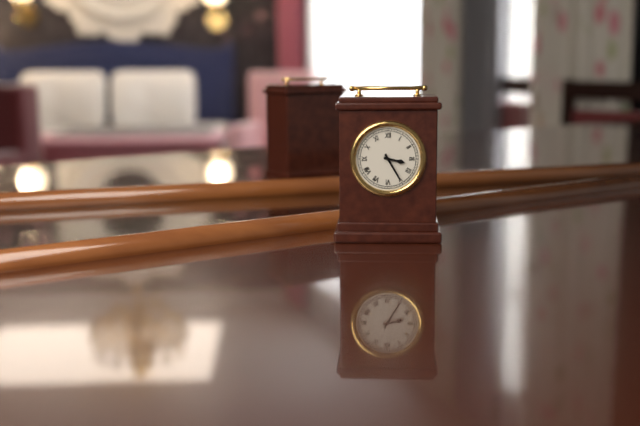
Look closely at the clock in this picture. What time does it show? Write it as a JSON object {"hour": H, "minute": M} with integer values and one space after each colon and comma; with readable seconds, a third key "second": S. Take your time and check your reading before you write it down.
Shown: {"hour": 3, "minute": 25}
